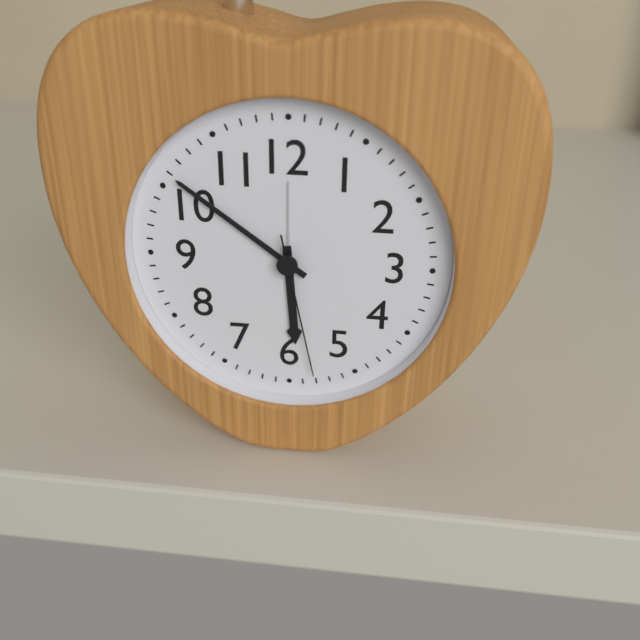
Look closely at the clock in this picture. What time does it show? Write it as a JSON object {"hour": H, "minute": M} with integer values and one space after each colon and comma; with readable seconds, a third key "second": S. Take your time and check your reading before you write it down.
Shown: {"hour": 5, "minute": 51, "second": 28}
